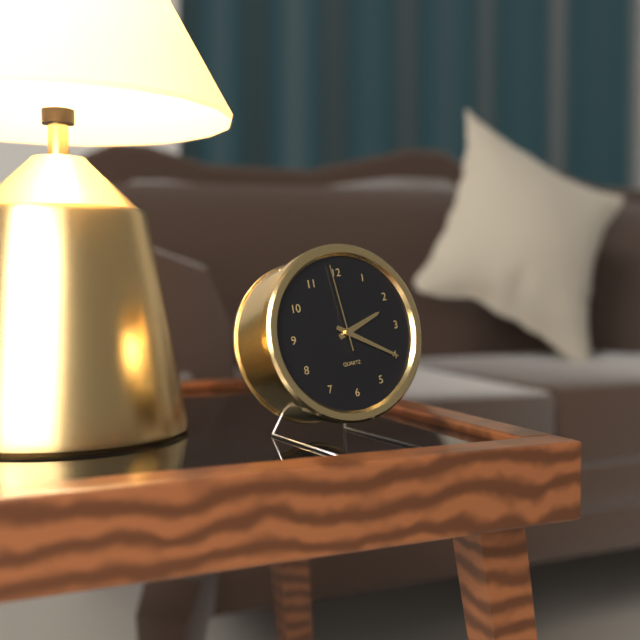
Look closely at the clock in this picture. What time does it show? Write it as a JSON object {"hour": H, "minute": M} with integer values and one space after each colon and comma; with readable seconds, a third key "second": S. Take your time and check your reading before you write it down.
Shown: {"hour": 2, "minute": 20, "second": 59}
